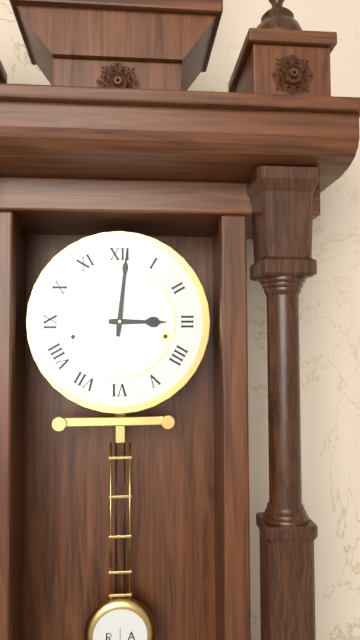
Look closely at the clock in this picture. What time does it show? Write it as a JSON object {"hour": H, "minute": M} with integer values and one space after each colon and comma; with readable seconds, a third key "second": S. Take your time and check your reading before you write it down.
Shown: {"hour": 3, "minute": 1}
